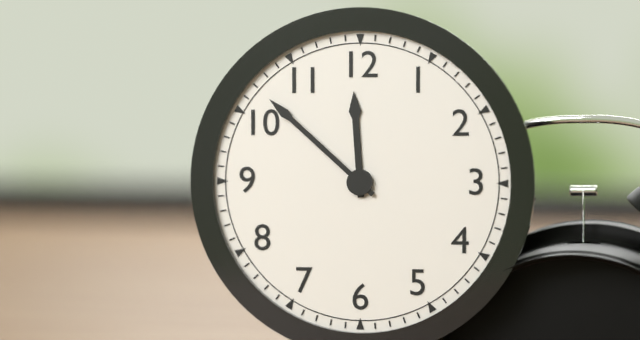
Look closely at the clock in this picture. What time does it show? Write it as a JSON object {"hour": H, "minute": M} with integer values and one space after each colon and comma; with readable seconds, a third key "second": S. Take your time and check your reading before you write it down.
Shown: {"hour": 11, "minute": 52}
